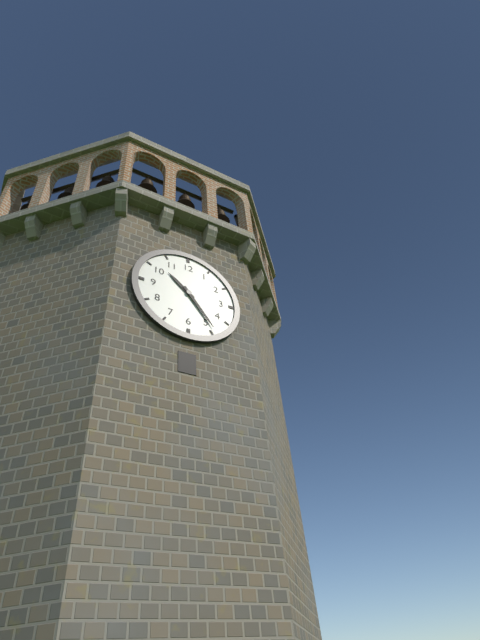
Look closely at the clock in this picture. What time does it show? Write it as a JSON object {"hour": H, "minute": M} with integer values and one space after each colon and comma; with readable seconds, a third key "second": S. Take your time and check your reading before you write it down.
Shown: {"hour": 10, "minute": 24}
